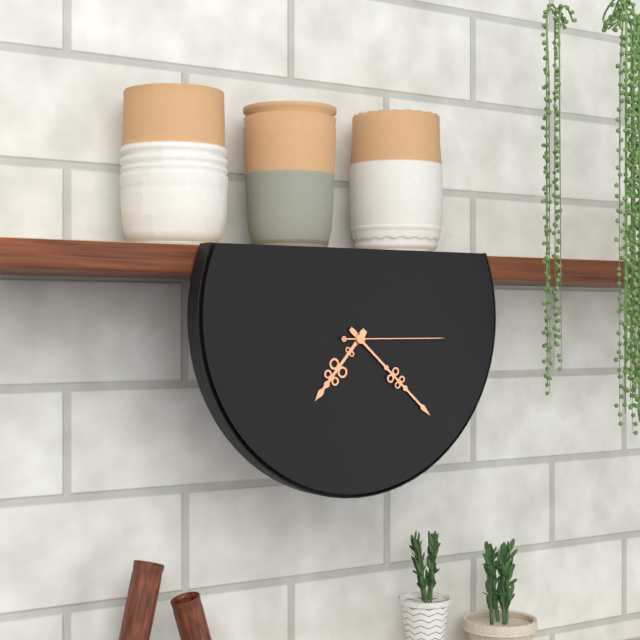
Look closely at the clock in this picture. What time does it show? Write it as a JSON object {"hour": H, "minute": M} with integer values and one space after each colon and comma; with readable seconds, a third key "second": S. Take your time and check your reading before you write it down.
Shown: {"hour": 7, "minute": 22, "second": 15}
